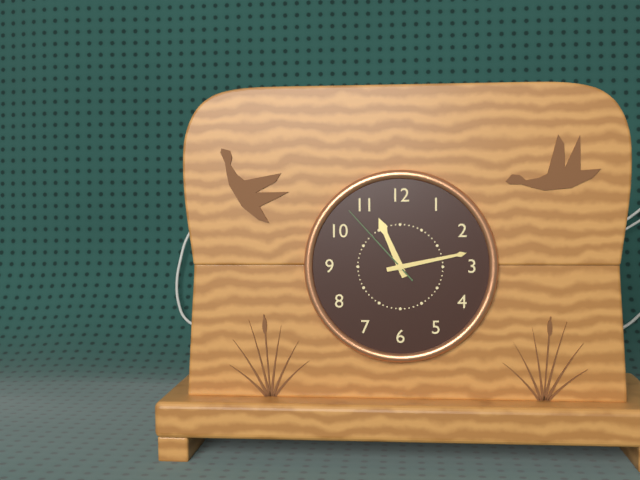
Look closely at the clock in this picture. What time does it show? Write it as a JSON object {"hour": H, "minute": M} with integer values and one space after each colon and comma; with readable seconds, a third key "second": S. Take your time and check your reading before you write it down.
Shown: {"hour": 11, "minute": 13, "second": 53}
